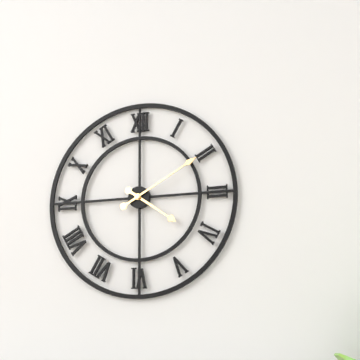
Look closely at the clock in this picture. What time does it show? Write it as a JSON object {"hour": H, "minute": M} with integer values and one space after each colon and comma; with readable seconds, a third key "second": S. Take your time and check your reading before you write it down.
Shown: {"hour": 4, "minute": 10}
